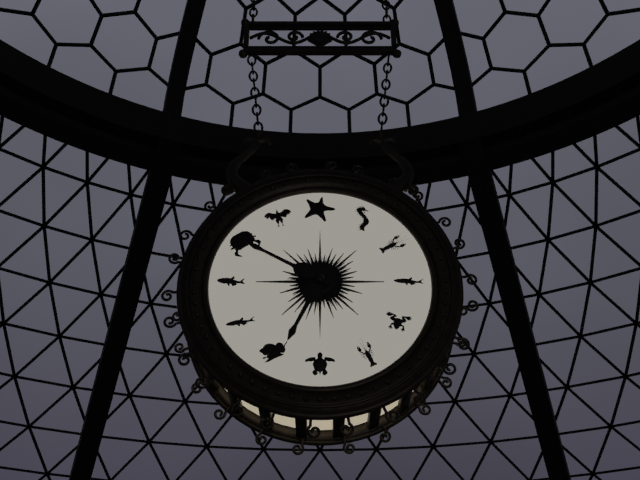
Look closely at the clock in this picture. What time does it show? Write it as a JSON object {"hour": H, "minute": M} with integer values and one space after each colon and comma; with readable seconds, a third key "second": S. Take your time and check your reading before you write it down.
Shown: {"hour": 6, "minute": 50}
